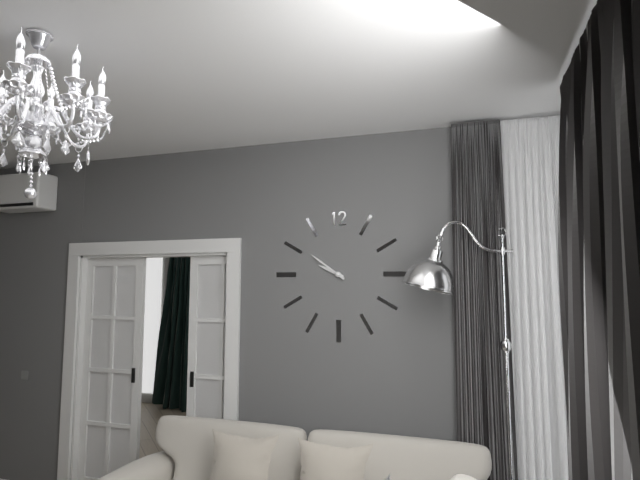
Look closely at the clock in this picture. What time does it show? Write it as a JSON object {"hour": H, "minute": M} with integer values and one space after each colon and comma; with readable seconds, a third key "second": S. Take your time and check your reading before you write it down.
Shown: {"hour": 9, "minute": 51}
